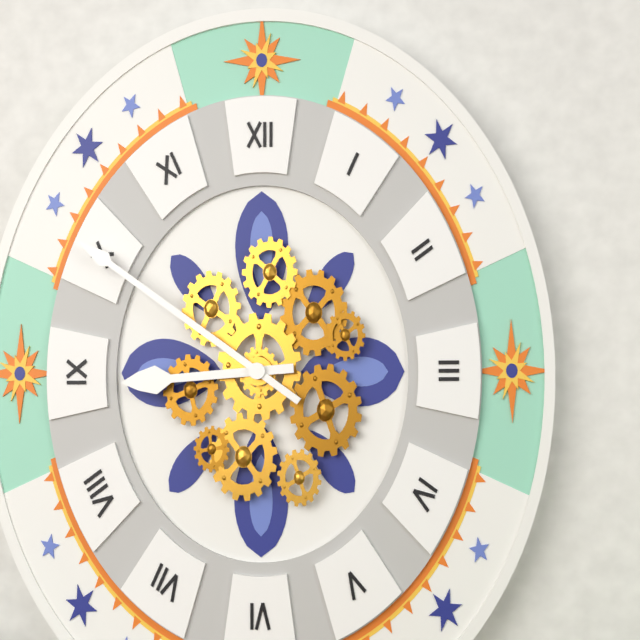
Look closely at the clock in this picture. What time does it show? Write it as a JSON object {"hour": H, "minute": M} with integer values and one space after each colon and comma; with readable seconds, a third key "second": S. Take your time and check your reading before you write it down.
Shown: {"hour": 8, "minute": 51}
